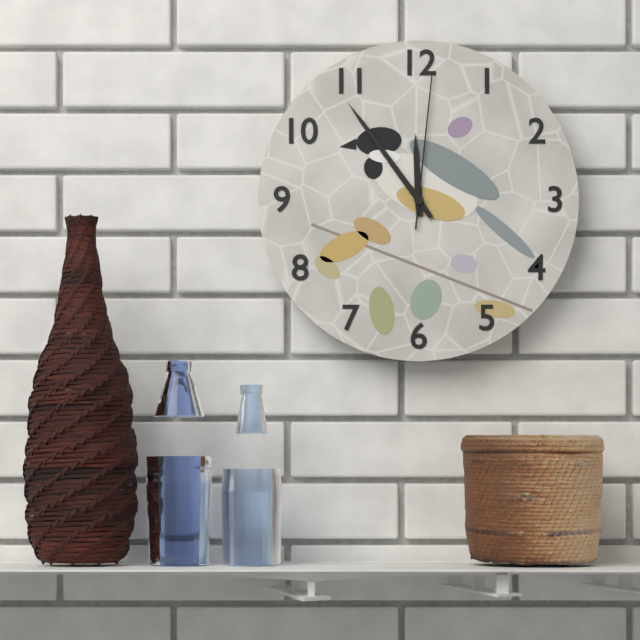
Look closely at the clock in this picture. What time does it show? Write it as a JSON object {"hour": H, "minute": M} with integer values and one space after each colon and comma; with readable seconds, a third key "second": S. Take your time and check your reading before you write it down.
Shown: {"hour": 11, "minute": 54, "second": 1}
